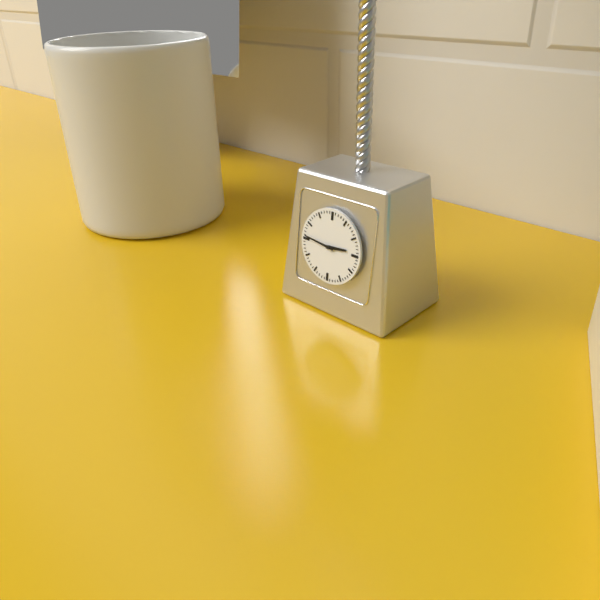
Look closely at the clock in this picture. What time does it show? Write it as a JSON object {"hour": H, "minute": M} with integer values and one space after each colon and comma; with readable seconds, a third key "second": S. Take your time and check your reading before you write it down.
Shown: {"hour": 2, "minute": 46}
